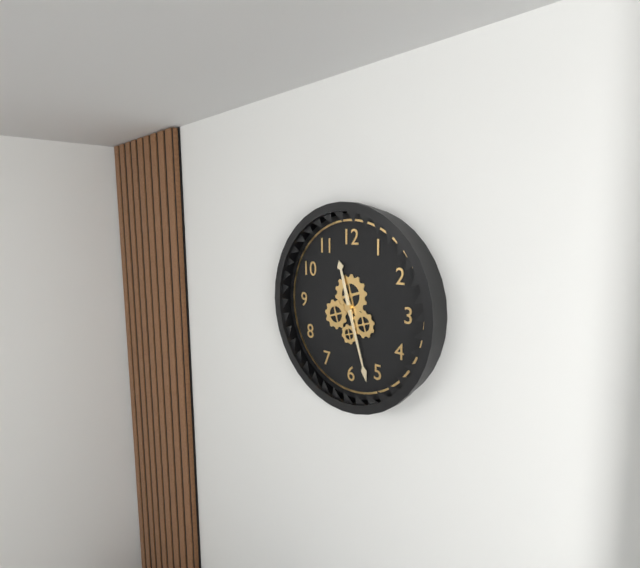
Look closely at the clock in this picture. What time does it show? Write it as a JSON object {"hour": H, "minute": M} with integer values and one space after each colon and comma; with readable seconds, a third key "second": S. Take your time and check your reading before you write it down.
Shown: {"hour": 11, "minute": 27}
